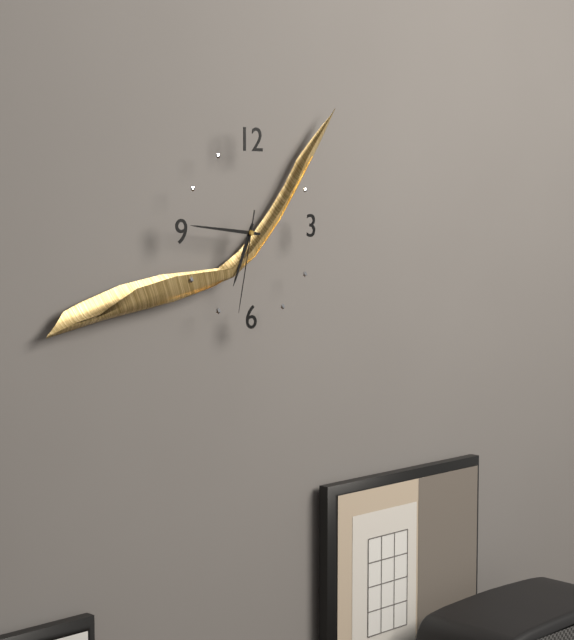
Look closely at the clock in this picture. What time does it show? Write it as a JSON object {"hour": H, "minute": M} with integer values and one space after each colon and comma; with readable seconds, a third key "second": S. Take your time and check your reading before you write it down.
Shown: {"hour": 6, "minute": 46, "second": 32}
